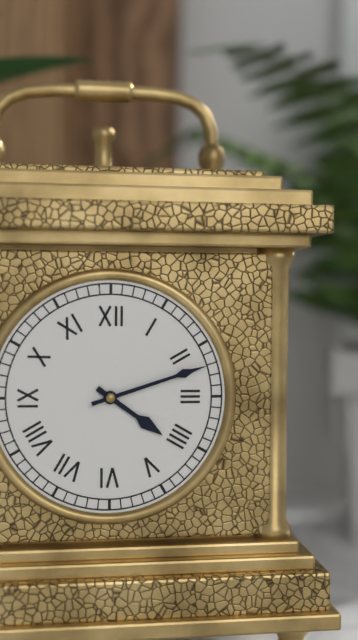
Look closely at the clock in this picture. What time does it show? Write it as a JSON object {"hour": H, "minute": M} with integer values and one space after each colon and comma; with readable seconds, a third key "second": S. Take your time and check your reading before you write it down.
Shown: {"hour": 4, "minute": 12}
